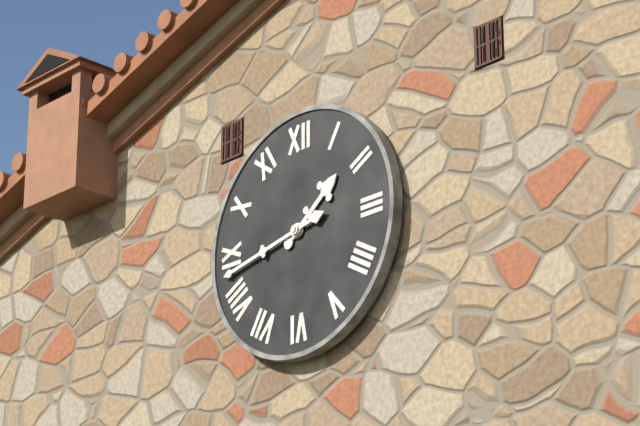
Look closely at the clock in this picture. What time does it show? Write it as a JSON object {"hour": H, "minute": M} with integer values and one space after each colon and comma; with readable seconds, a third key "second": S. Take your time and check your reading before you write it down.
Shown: {"hour": 1, "minute": 43}
